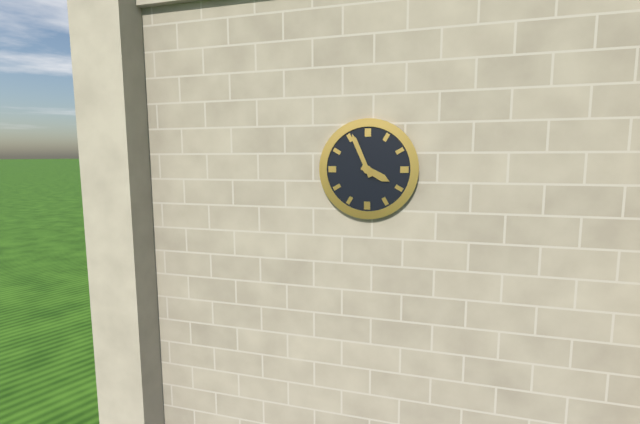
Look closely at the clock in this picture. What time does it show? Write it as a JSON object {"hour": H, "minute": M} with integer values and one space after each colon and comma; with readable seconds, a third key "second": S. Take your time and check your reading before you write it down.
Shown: {"hour": 3, "minute": 56}
